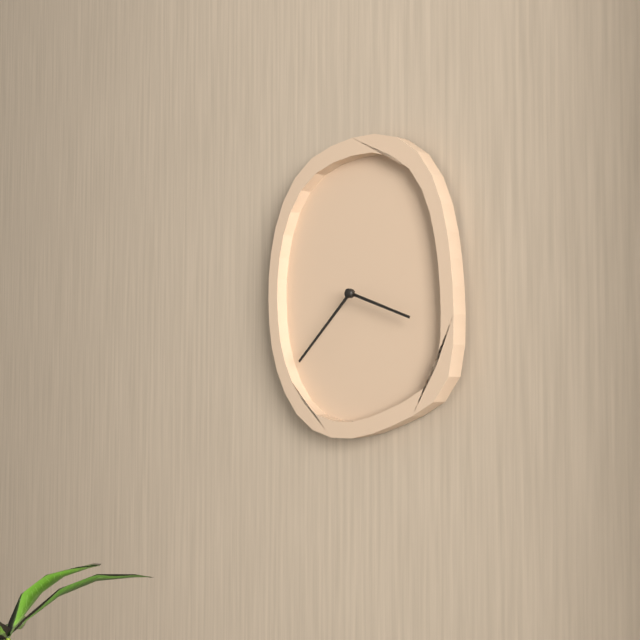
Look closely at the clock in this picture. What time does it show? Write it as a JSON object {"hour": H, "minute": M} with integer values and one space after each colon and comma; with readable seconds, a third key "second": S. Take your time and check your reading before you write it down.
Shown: {"hour": 3, "minute": 38}
